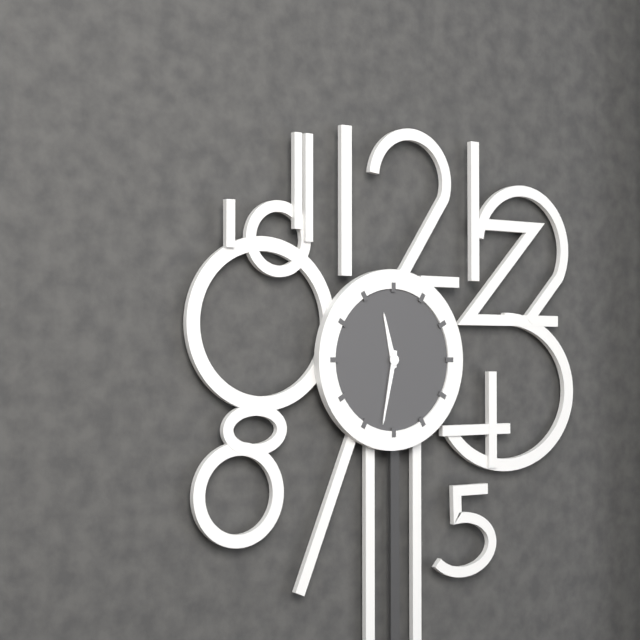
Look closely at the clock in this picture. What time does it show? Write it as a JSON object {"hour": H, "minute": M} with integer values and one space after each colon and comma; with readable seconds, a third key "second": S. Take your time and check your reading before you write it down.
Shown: {"hour": 11, "minute": 32}
